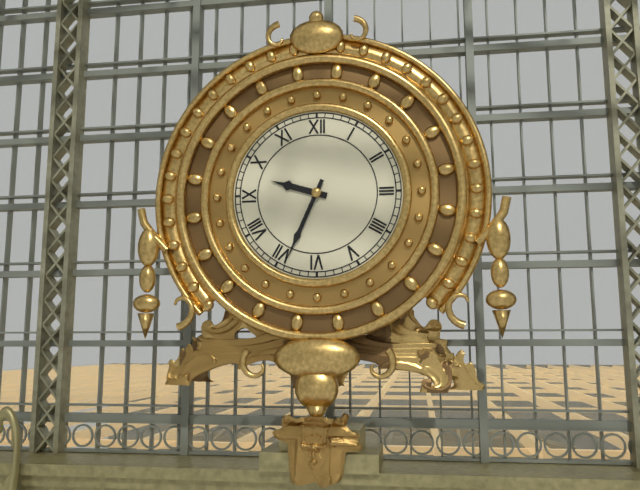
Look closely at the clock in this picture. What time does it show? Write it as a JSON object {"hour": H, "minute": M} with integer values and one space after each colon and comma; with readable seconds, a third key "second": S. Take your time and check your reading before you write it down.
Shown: {"hour": 9, "minute": 34}
